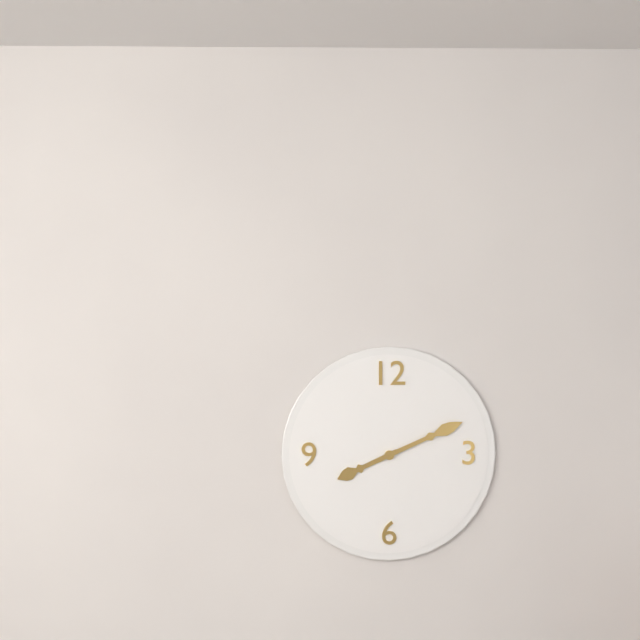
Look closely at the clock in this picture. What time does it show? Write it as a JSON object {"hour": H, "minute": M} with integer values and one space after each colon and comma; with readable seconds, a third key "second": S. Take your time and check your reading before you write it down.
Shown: {"hour": 8, "minute": 11}
